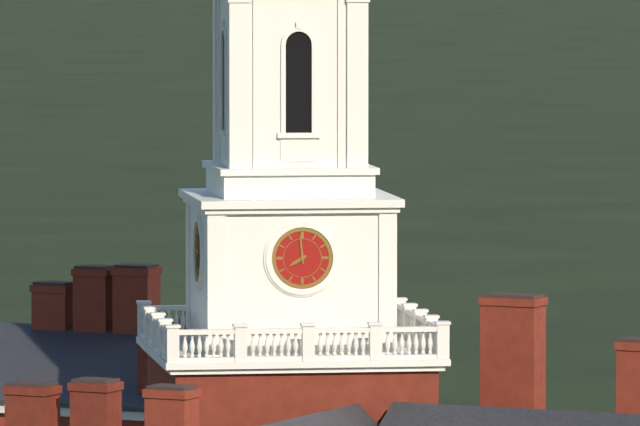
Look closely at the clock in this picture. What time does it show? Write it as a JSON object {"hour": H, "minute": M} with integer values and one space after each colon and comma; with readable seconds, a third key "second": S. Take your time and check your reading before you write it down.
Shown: {"hour": 7, "minute": 59}
